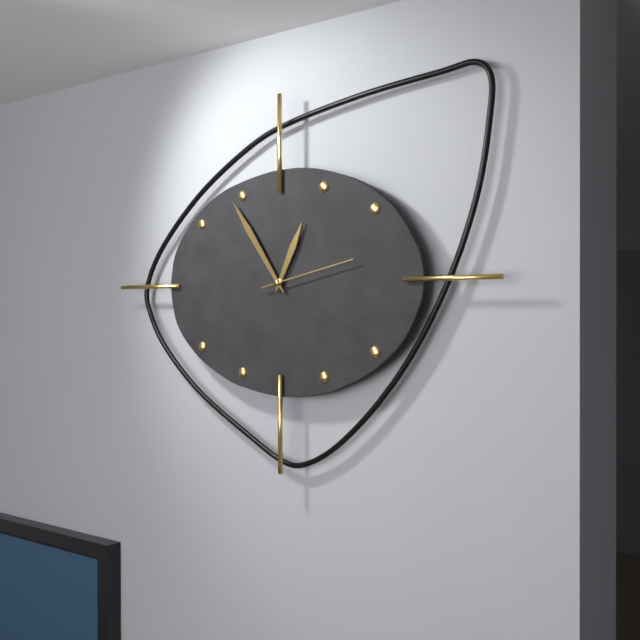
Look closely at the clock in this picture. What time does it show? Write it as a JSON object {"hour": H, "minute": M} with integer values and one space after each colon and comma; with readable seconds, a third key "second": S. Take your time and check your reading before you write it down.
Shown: {"hour": 12, "minute": 54, "second": 13}
